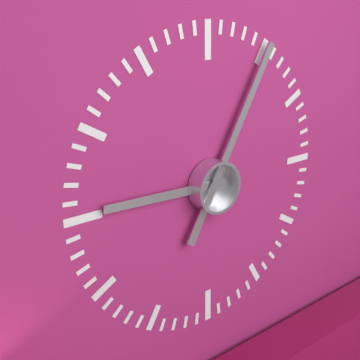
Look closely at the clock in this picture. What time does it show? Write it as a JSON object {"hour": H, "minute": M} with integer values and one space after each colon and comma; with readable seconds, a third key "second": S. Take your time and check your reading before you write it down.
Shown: {"hour": 9, "minute": 5}
